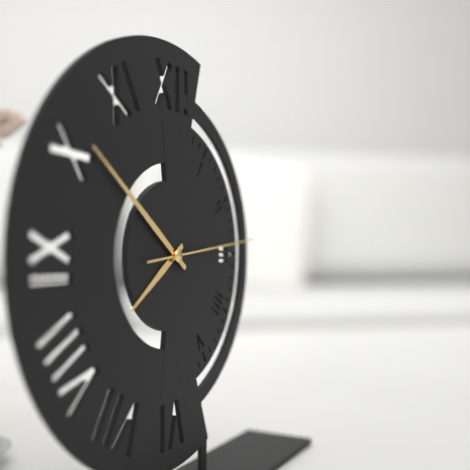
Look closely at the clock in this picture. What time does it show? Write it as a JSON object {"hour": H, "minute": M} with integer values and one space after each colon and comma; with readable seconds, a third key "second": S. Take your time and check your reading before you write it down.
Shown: {"hour": 7, "minute": 51, "second": 14}
